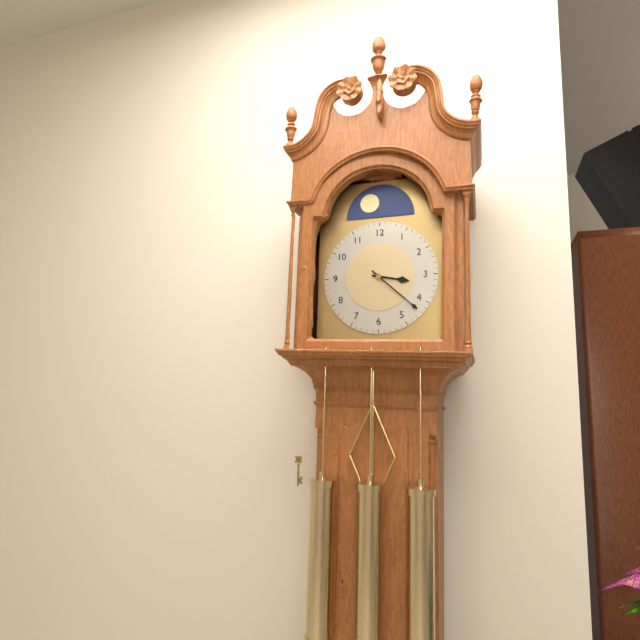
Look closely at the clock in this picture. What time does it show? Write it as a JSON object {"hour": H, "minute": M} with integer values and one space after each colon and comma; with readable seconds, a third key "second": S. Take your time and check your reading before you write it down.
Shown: {"hour": 3, "minute": 22}
